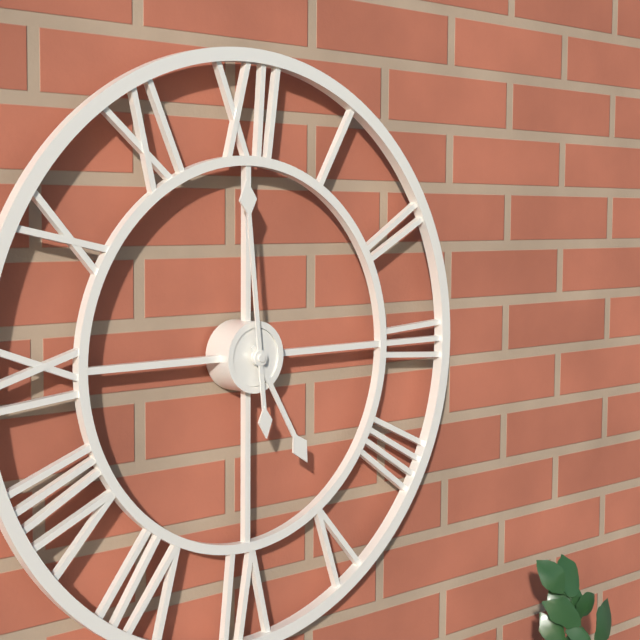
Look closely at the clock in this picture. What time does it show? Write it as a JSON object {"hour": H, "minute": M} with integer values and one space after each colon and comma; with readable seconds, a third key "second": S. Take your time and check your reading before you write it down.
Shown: {"hour": 4, "minute": 59}
